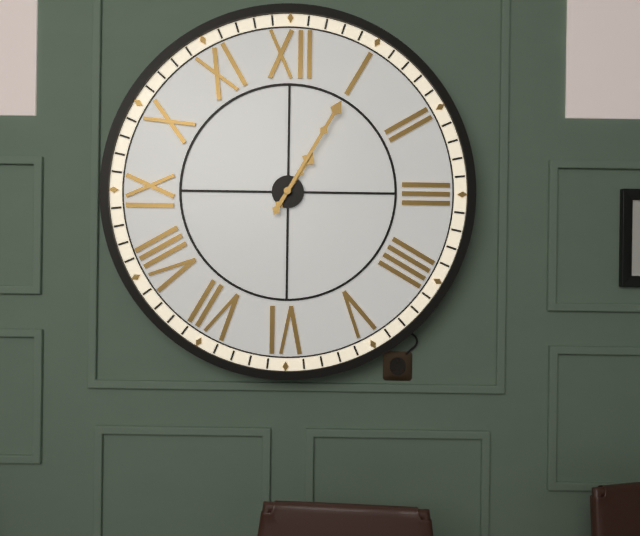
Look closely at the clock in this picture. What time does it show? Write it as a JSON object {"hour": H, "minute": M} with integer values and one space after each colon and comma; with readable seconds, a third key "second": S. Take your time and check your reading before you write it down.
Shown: {"hour": 1, "minute": 5}
